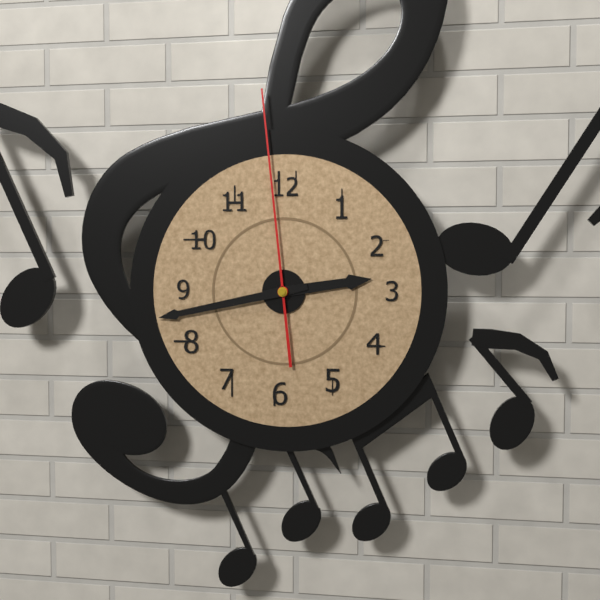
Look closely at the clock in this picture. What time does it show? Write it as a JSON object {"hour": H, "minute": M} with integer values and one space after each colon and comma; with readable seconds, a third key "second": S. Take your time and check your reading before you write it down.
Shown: {"hour": 2, "minute": 43, "second": 59}
